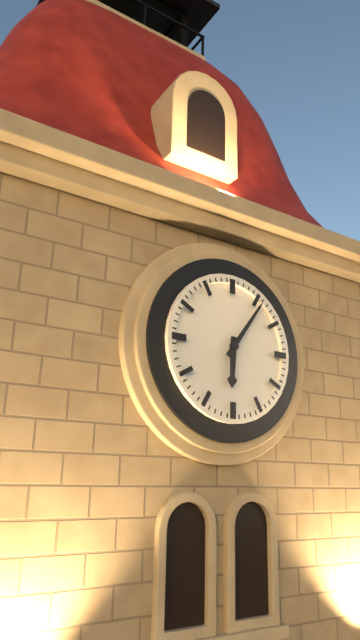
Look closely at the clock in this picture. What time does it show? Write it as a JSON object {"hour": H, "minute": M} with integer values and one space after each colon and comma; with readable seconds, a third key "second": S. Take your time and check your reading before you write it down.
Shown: {"hour": 6, "minute": 6}
